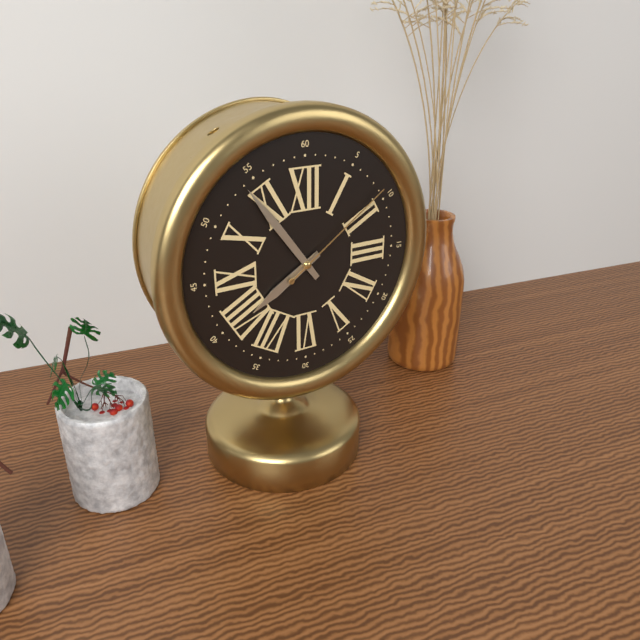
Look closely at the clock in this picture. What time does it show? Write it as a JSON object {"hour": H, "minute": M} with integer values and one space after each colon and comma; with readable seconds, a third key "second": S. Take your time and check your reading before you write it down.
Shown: {"hour": 7, "minute": 54, "second": 9}
